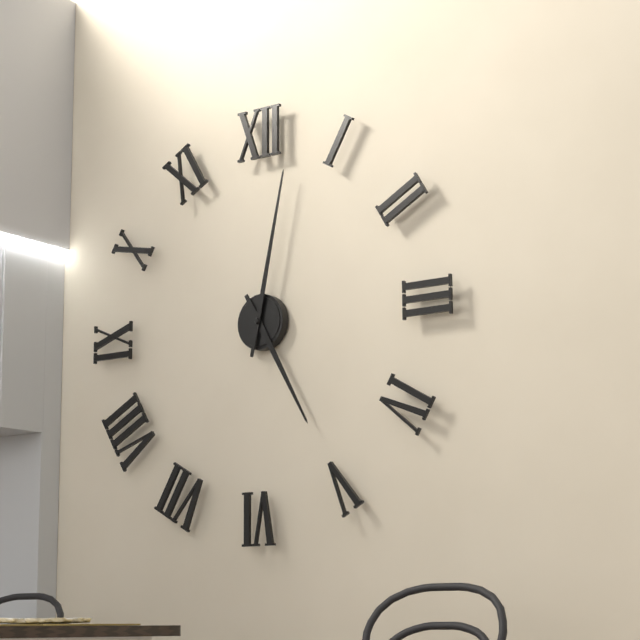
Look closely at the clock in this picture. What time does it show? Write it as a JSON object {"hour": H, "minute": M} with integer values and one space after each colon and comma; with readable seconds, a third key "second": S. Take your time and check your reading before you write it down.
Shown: {"hour": 5, "minute": 2}
